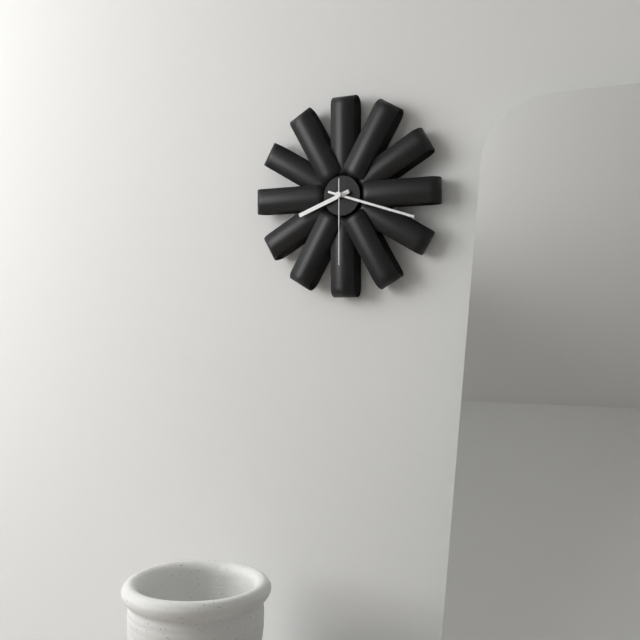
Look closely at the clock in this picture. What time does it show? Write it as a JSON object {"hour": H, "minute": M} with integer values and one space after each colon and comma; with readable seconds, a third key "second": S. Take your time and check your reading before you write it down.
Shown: {"hour": 8, "minute": 18, "second": 30}
